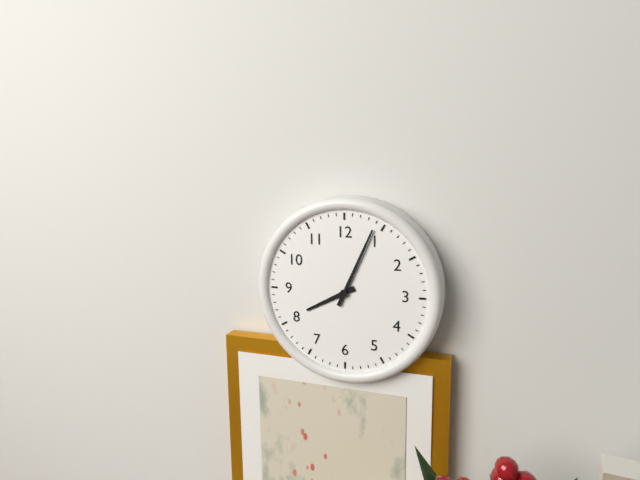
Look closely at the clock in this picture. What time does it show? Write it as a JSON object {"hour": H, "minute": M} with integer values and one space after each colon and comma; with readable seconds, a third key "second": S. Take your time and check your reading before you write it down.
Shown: {"hour": 8, "minute": 4}
